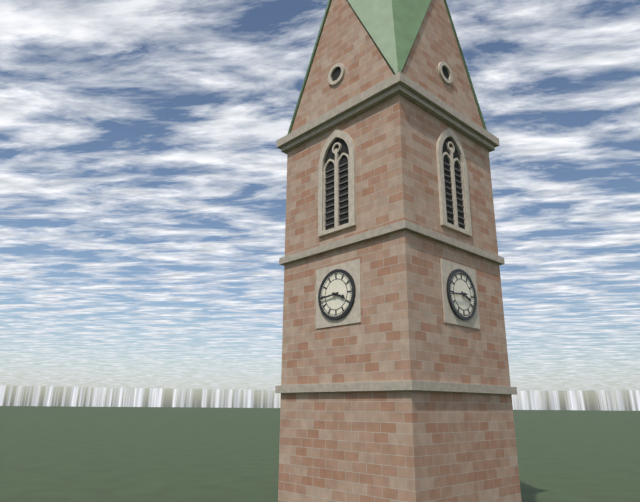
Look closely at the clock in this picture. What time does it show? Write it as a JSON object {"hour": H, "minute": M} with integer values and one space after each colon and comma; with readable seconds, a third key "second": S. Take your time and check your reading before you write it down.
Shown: {"hour": 3, "minute": 44}
